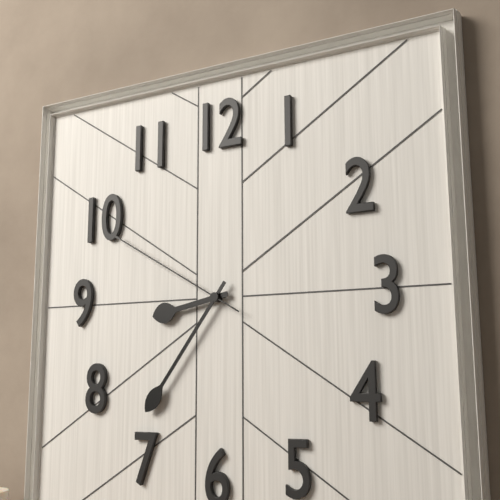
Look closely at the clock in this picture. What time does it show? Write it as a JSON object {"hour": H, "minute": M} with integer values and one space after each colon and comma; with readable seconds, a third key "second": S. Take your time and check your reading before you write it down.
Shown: {"hour": 8, "minute": 36, "second": 50}
